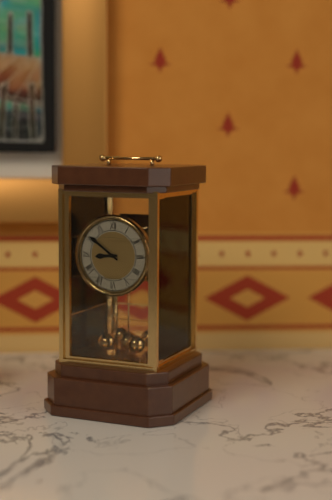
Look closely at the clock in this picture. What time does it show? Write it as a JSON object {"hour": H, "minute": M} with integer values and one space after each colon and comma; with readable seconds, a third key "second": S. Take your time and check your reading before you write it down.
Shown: {"hour": 8, "minute": 51}
